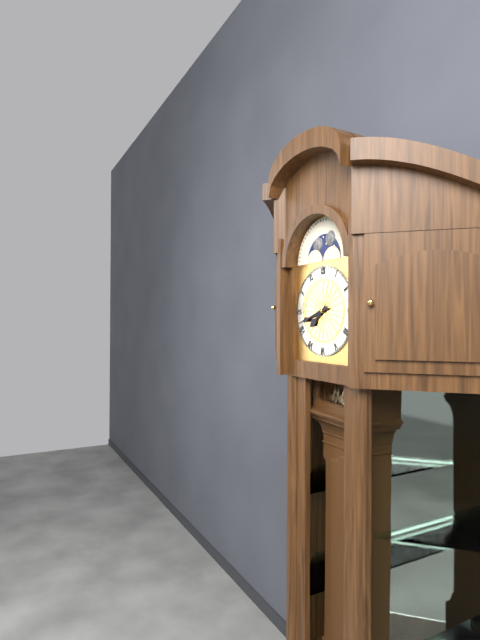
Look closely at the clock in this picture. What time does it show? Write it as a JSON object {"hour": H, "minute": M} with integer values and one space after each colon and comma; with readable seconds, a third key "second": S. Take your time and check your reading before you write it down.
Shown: {"hour": 7, "minute": 42}
